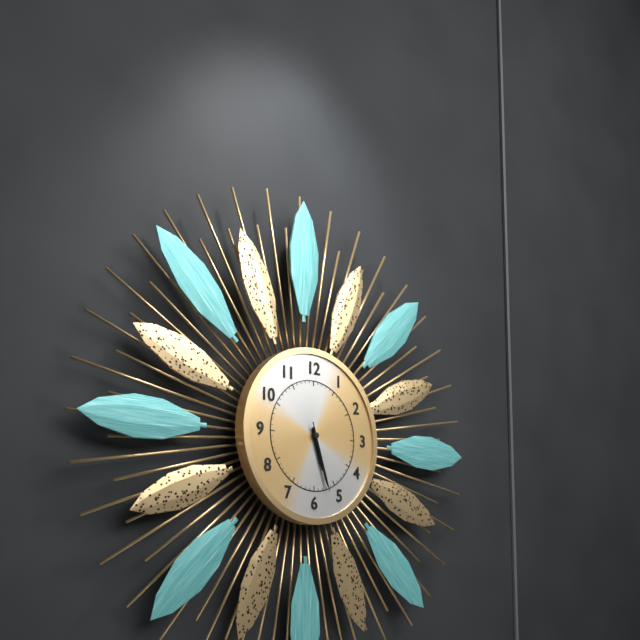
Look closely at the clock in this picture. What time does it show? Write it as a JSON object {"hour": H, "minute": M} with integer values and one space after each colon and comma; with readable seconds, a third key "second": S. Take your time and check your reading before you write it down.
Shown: {"hour": 5, "minute": 27, "second": 27}
